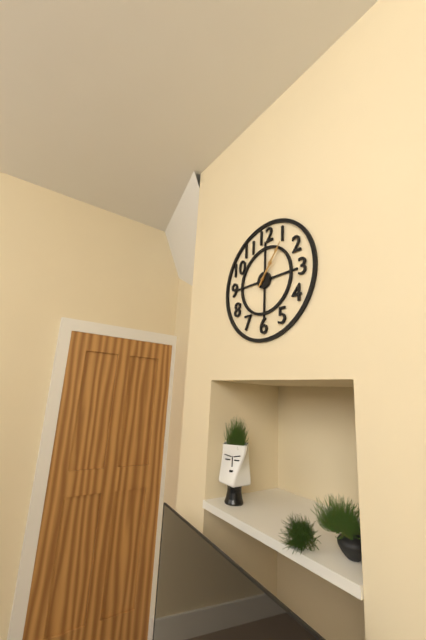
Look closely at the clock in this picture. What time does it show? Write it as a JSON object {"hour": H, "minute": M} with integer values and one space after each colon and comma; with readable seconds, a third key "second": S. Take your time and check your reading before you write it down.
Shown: {"hour": 1, "minute": 6}
